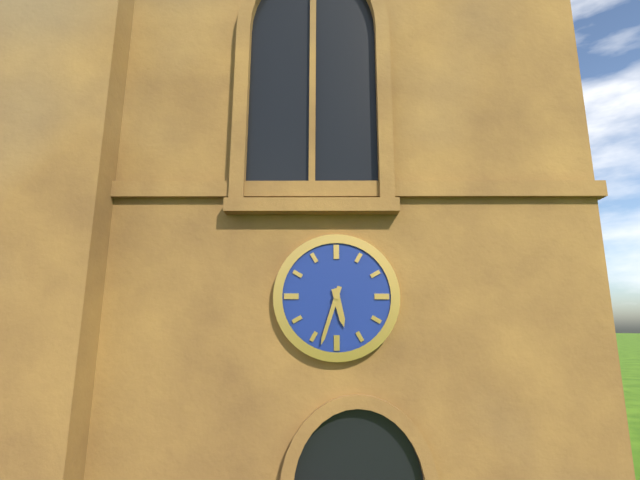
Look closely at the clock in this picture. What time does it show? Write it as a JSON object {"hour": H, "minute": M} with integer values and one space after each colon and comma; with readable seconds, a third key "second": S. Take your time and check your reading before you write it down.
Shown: {"hour": 5, "minute": 33}
